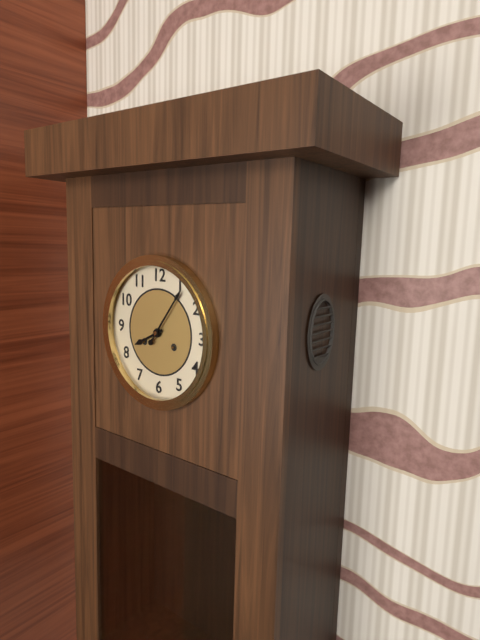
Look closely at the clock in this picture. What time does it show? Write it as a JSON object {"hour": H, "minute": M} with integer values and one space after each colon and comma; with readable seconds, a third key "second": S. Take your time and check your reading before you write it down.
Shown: {"hour": 8, "minute": 6}
